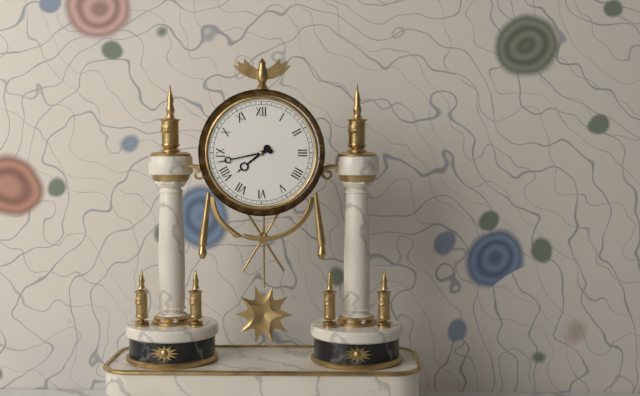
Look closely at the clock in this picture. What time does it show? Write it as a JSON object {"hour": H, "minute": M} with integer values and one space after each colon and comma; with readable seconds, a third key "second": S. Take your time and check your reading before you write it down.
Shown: {"hour": 7, "minute": 43}
